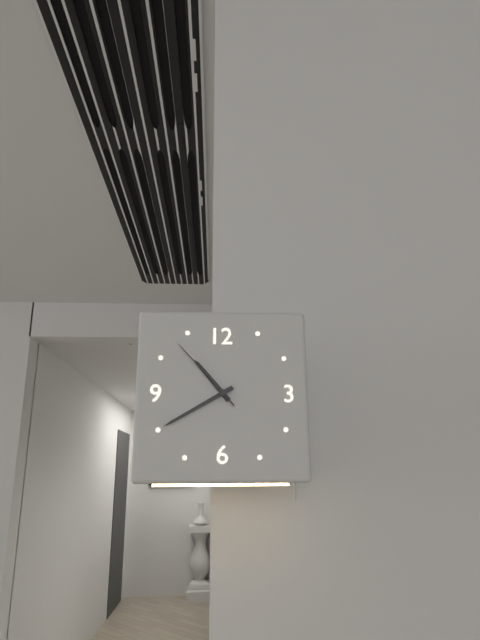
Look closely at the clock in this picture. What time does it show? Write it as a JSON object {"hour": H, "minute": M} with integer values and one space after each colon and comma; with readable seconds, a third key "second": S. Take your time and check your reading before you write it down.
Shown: {"hour": 10, "minute": 40, "second": 53}
